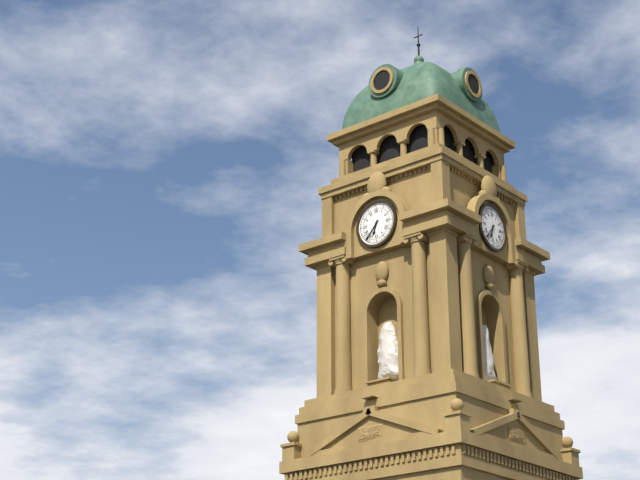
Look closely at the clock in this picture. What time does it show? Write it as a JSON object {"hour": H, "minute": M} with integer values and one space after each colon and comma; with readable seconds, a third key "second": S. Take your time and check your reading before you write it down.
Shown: {"hour": 6, "minute": 37}
